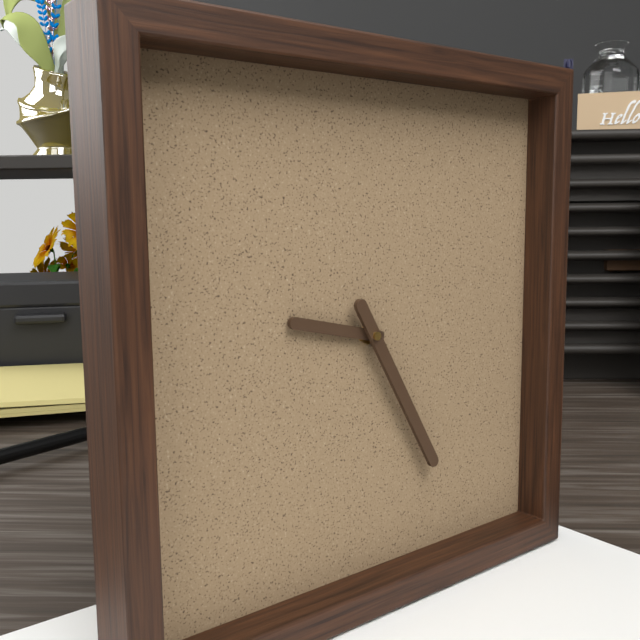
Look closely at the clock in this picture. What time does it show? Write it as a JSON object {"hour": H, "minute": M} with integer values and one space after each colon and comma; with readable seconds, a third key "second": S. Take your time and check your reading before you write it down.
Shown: {"hour": 9, "minute": 25}
